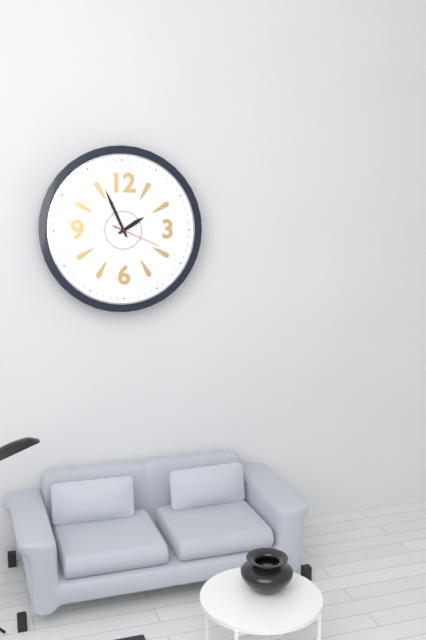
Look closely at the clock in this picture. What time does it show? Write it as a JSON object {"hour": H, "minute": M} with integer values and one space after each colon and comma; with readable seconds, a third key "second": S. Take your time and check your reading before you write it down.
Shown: {"hour": 1, "minute": 56}
